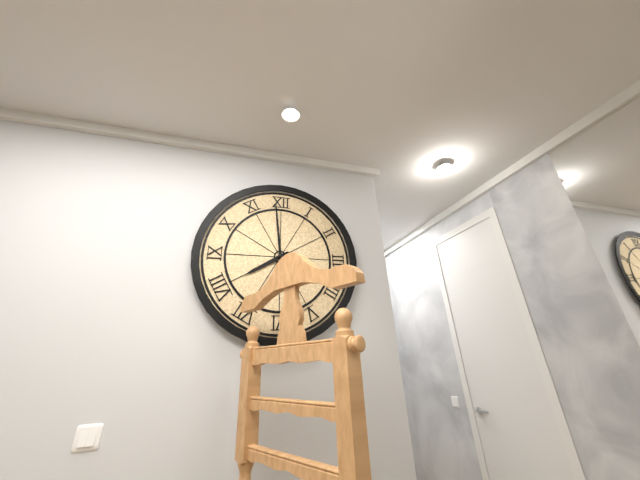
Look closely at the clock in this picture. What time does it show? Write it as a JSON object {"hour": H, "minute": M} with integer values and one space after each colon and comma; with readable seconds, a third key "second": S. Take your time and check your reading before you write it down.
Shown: {"hour": 7, "minute": 59}
